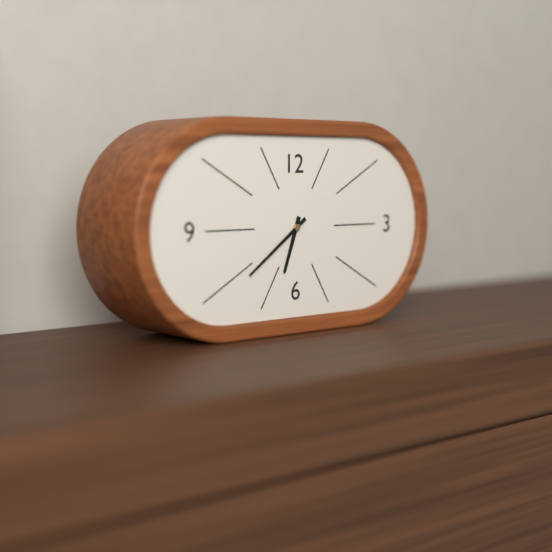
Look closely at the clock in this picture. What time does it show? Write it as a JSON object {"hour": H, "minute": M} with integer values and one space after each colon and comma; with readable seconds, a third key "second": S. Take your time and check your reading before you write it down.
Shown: {"hour": 6, "minute": 39}
